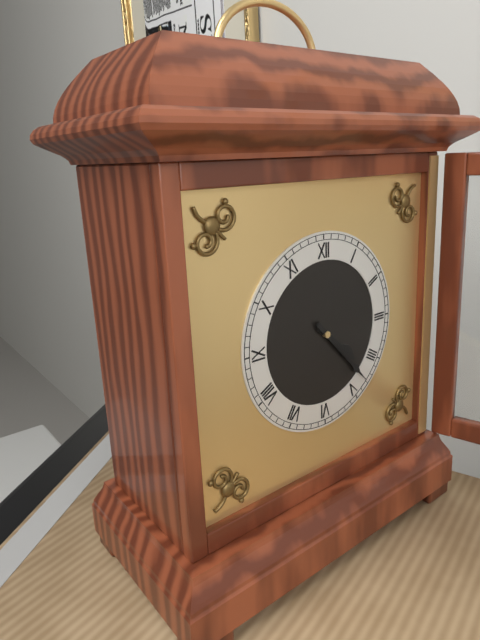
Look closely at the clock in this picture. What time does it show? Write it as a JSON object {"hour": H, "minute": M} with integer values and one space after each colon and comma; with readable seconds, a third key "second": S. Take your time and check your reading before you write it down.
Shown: {"hour": 4, "minute": 23}
